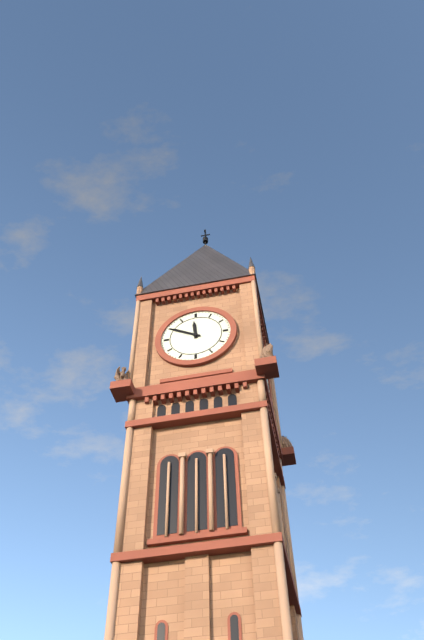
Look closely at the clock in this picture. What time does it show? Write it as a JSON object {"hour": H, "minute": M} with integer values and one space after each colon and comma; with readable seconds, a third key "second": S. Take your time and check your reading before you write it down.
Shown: {"hour": 11, "minute": 50}
